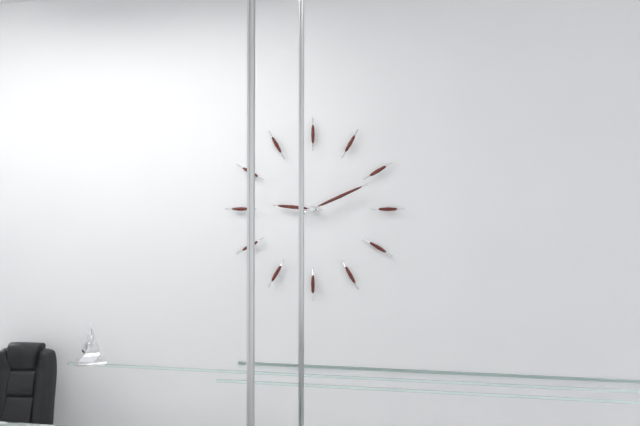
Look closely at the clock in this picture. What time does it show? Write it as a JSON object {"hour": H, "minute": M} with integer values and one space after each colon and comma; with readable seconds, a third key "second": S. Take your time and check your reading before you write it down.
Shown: {"hour": 9, "minute": 11}
